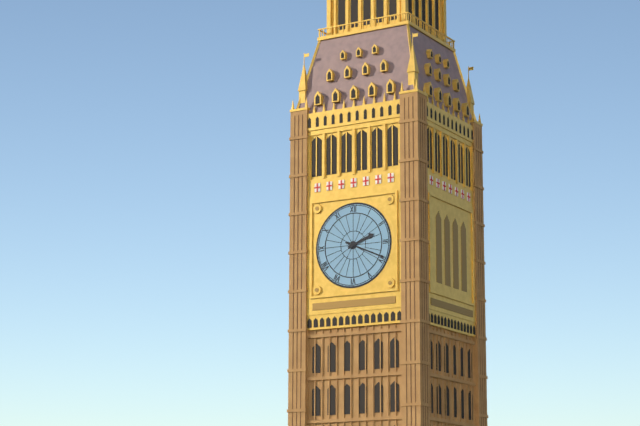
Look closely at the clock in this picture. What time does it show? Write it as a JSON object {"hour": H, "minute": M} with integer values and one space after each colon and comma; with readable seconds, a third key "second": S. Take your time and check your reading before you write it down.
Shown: {"hour": 2, "minute": 19}
